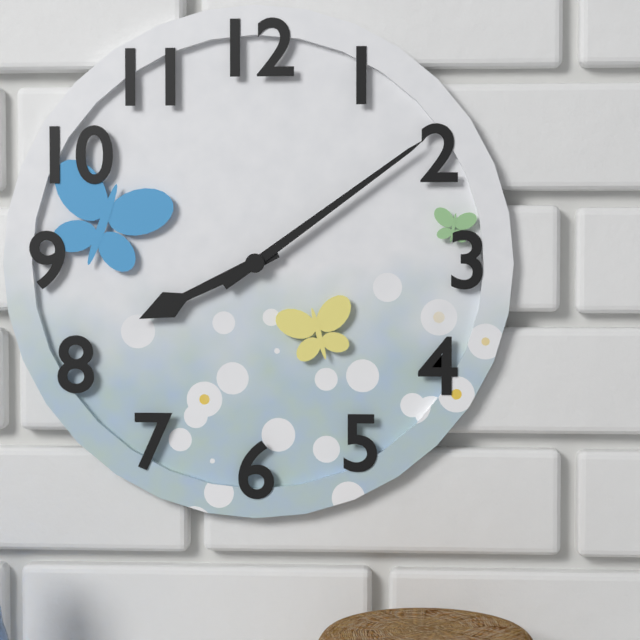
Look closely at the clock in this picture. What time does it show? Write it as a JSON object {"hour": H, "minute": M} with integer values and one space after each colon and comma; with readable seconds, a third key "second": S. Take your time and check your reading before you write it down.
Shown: {"hour": 8, "minute": 9}
